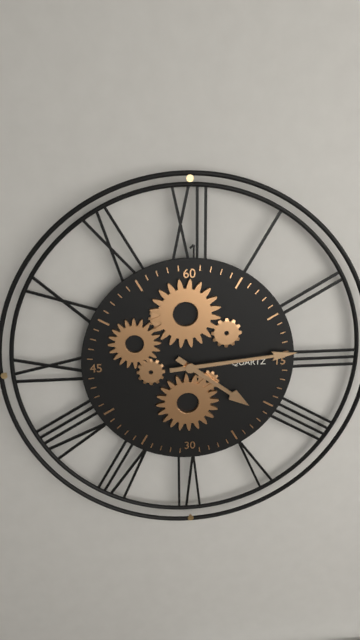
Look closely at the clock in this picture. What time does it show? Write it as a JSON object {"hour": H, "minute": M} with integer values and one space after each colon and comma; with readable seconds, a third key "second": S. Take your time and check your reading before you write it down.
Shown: {"hour": 4, "minute": 14}
